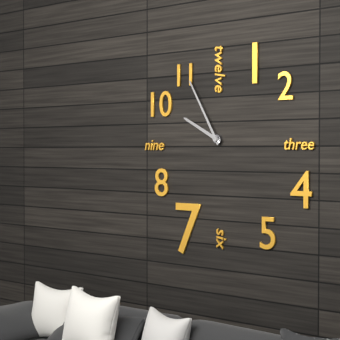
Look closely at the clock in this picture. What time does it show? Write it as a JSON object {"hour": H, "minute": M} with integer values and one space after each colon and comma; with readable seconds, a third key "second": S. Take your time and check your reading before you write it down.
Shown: {"hour": 9, "minute": 55}
